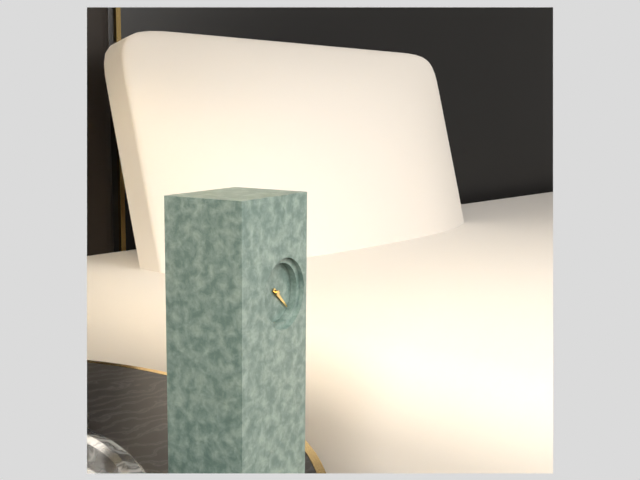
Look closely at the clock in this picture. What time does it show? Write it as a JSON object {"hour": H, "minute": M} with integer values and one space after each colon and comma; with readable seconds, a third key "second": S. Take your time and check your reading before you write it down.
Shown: {"hour": 4, "minute": 22}
